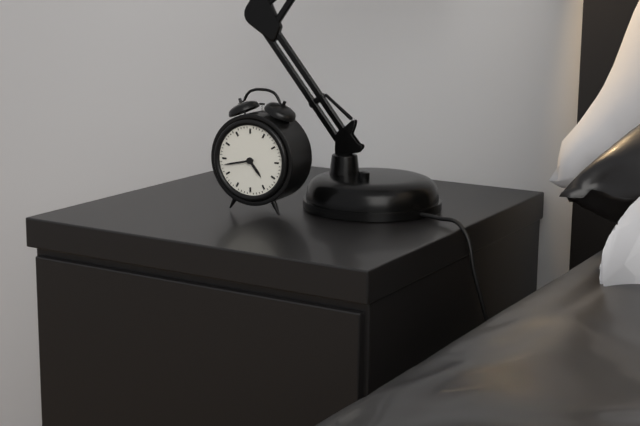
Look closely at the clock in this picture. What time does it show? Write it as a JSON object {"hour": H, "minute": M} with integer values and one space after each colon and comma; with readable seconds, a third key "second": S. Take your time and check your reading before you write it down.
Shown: {"hour": 4, "minute": 43}
